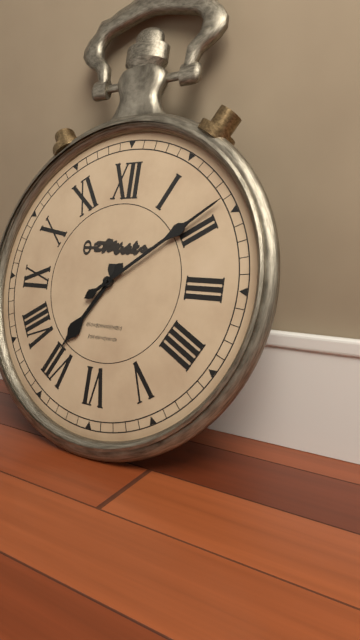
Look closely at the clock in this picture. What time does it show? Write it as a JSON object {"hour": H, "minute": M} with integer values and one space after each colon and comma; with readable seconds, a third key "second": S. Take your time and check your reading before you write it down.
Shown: {"hour": 7, "minute": 9}
